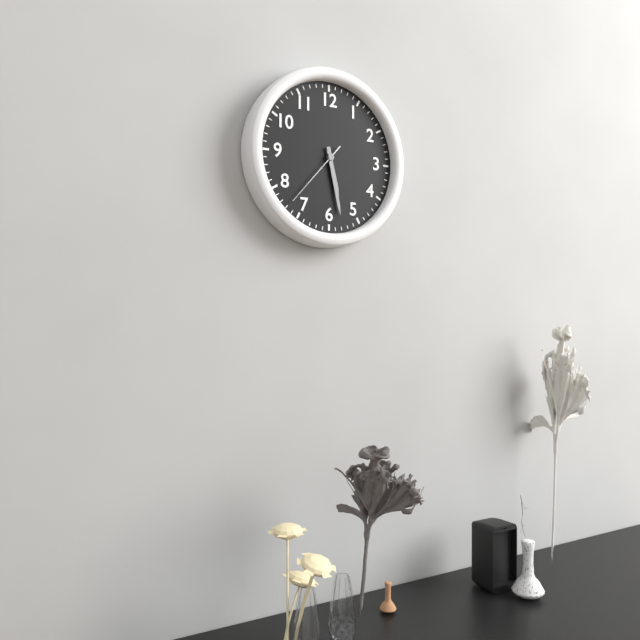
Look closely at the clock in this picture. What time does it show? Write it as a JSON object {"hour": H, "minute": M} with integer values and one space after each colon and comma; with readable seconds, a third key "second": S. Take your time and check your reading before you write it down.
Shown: {"hour": 5, "minute": 28, "second": 37}
